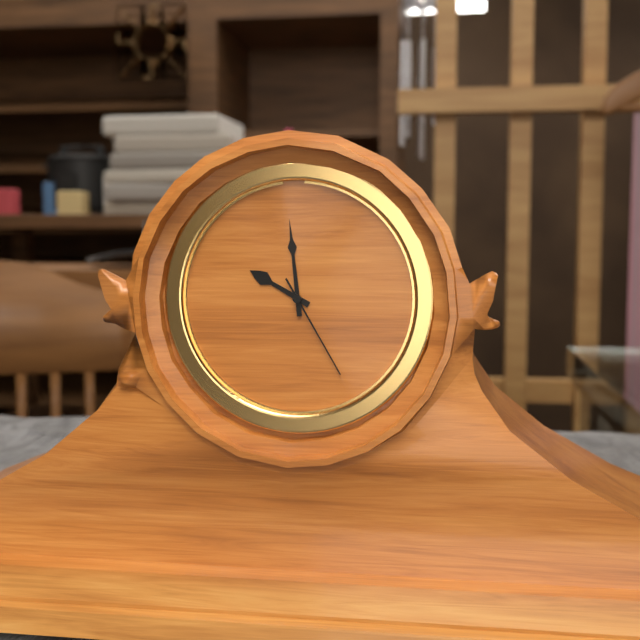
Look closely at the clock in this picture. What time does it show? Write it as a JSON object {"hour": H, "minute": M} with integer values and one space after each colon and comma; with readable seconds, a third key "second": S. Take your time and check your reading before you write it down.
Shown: {"hour": 9, "minute": 59, "second": 25}
